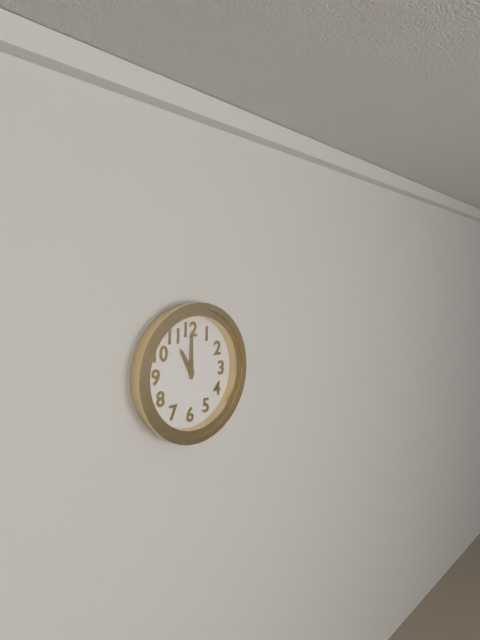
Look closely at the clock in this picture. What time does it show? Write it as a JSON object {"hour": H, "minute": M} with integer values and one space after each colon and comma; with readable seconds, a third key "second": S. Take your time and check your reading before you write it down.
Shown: {"hour": 11, "minute": 0}
